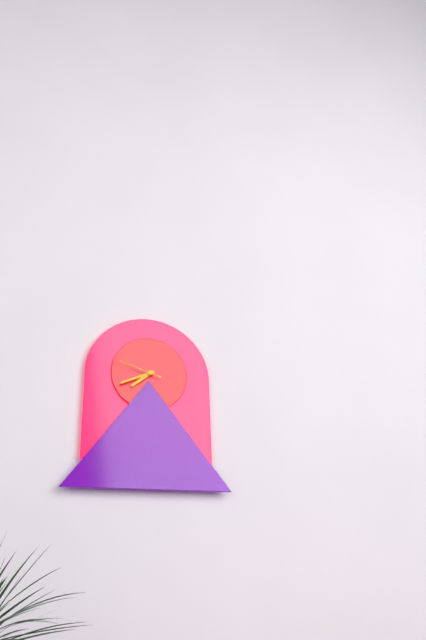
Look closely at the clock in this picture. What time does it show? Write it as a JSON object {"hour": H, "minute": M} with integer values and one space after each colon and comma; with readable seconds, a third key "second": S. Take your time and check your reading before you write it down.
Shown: {"hour": 7, "minute": 41}
